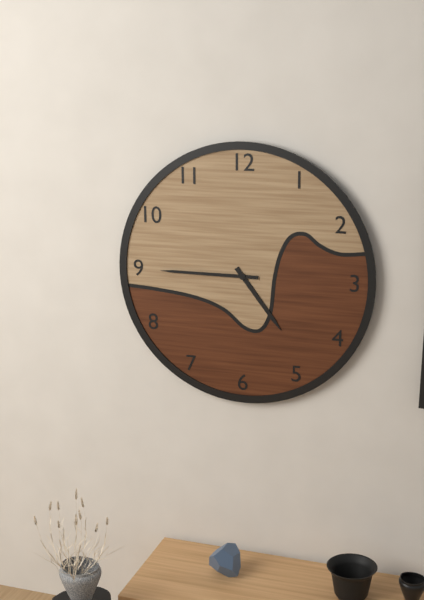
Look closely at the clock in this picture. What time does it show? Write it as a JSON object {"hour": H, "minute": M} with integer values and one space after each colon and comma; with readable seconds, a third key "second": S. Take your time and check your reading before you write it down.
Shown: {"hour": 4, "minute": 45}
